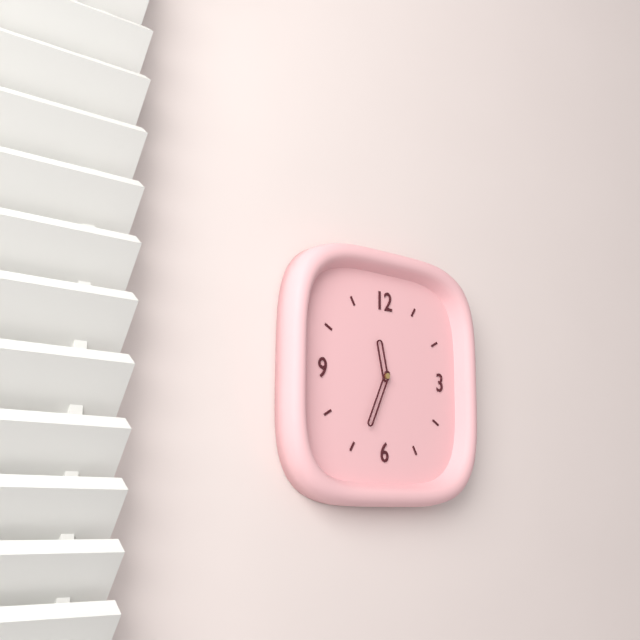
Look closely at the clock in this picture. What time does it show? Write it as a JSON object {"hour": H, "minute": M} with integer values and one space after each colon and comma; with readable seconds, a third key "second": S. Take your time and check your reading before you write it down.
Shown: {"hour": 11, "minute": 34}
